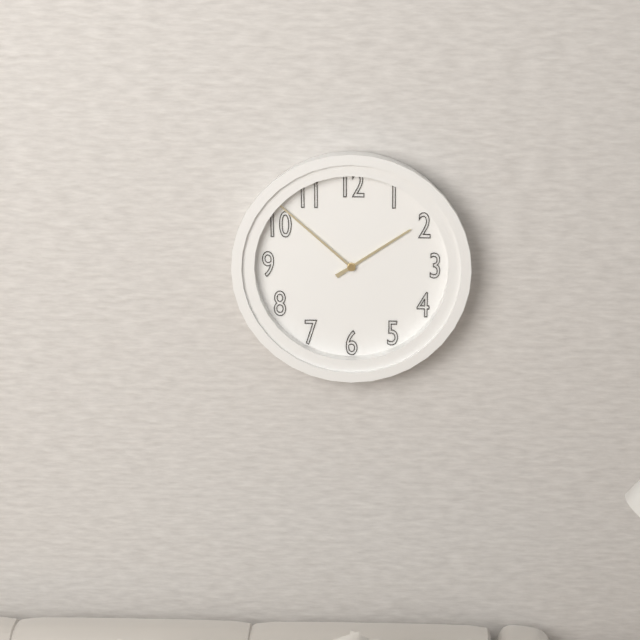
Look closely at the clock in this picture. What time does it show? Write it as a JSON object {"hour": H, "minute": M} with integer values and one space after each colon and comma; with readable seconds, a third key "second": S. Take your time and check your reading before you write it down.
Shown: {"hour": 1, "minute": 52}
